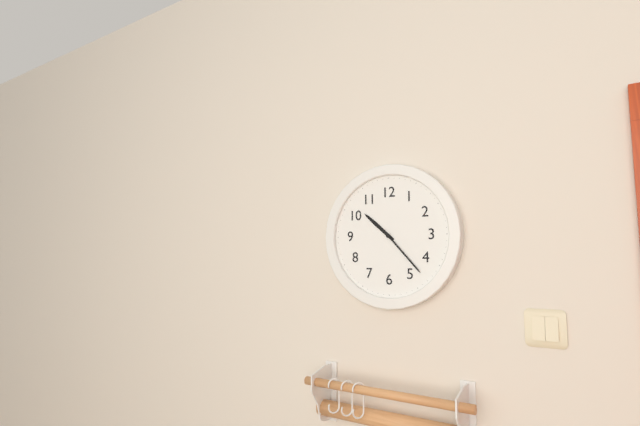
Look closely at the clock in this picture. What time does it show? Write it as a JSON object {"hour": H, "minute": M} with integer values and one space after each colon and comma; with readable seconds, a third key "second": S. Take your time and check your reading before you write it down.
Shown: {"hour": 10, "minute": 23}
